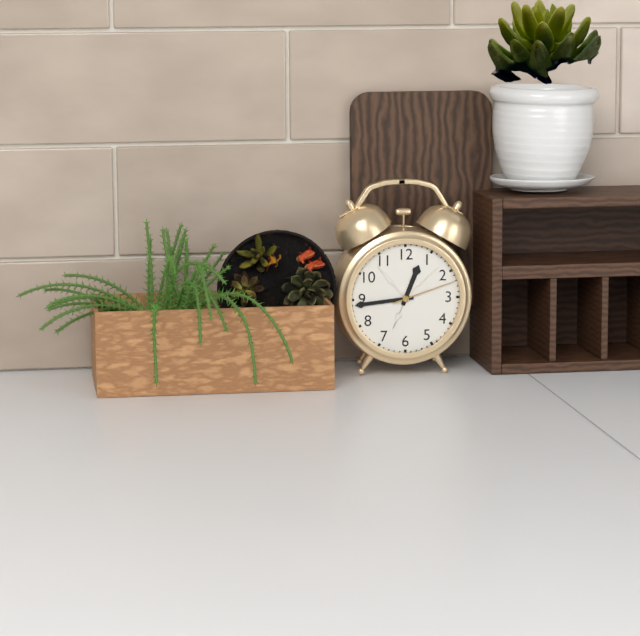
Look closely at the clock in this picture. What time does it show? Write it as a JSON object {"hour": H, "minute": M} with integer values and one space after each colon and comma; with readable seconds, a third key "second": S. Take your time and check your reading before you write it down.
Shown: {"hour": 12, "minute": 44, "second": 12}
